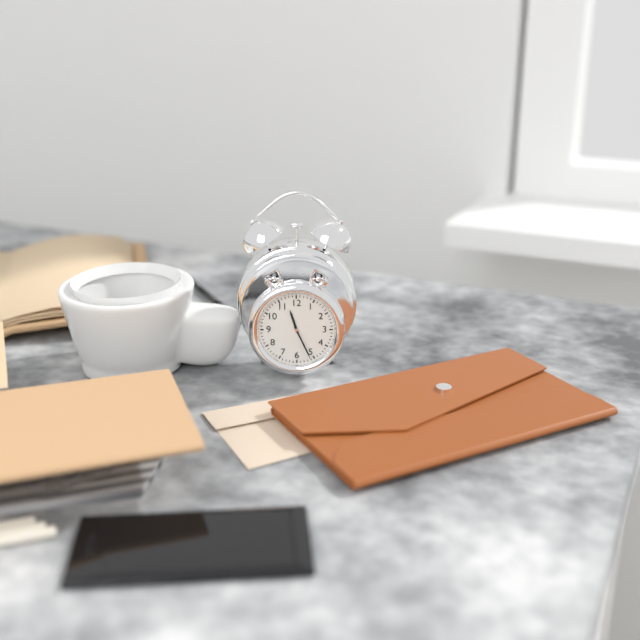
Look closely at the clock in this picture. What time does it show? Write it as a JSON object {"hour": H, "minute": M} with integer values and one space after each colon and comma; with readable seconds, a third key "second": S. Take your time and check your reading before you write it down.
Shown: {"hour": 11, "minute": 26}
